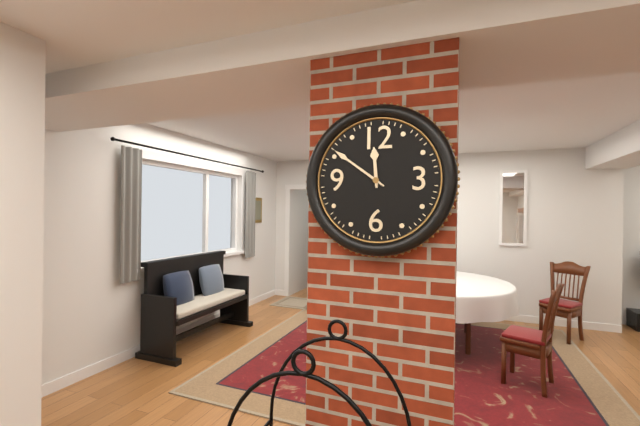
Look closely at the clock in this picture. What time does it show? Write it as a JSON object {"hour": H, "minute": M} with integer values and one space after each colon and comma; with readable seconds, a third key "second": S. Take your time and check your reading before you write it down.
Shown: {"hour": 11, "minute": 51}
